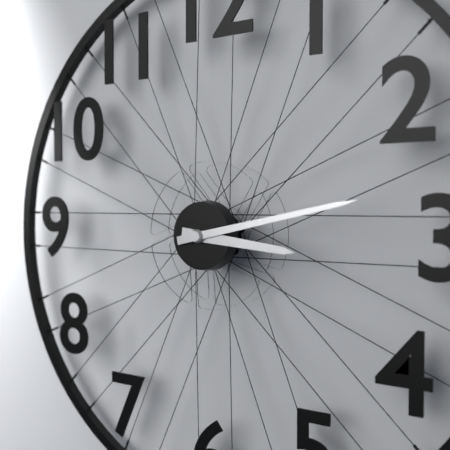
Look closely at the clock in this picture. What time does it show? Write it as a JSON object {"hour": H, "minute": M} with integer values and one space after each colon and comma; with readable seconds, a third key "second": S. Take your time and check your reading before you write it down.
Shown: {"hour": 3, "minute": 13}
